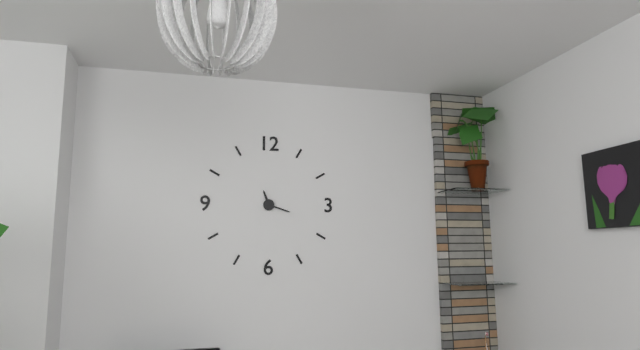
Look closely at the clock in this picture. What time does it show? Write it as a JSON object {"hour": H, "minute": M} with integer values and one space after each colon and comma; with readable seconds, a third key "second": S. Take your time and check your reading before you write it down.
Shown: {"hour": 11, "minute": 18}
